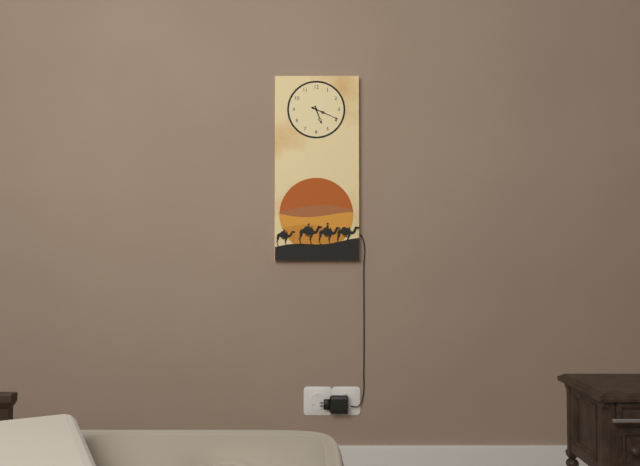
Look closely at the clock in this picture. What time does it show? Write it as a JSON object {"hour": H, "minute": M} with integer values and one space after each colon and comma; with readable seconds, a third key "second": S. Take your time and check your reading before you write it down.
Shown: {"hour": 5, "minute": 19}
